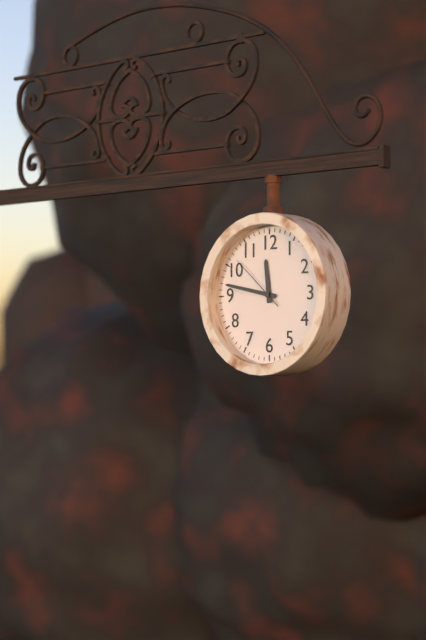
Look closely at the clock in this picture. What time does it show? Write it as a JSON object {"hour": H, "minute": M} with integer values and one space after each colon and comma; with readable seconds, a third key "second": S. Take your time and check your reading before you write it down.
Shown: {"hour": 11, "minute": 47, "second": 52}
